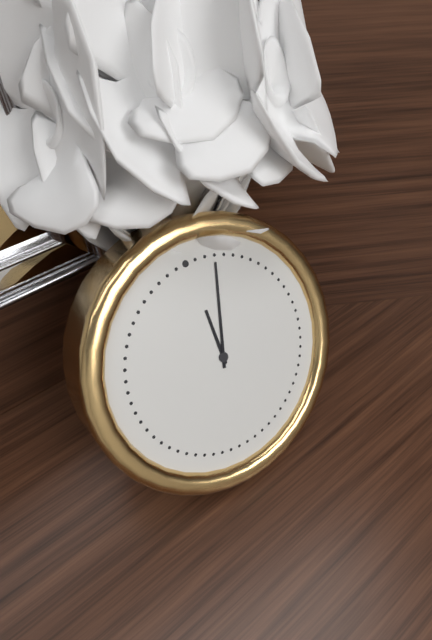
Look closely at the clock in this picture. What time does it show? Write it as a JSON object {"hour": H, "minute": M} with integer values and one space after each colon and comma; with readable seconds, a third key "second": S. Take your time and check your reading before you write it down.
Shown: {"hour": 12, "minute": 3}
